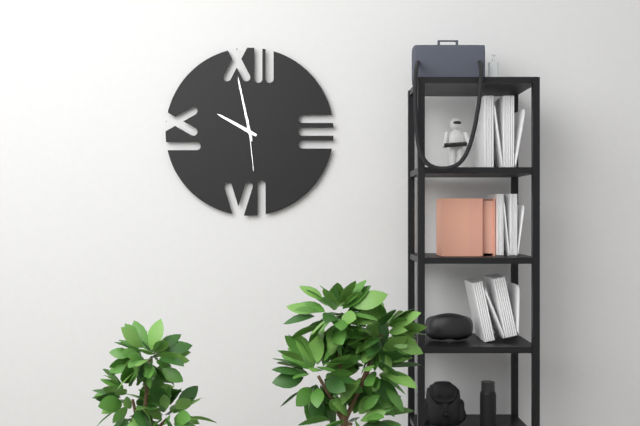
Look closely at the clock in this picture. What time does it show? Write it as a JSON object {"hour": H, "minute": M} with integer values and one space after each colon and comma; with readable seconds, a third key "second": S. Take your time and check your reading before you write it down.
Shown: {"hour": 9, "minute": 58}
